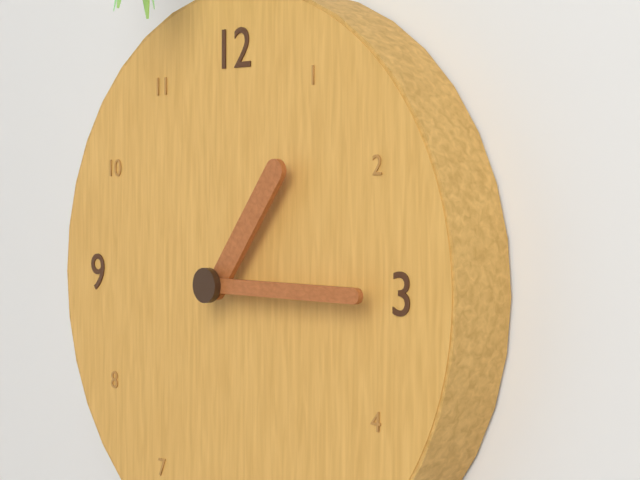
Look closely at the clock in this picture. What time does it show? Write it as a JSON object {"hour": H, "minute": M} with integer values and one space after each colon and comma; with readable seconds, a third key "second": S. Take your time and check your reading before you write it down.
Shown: {"hour": 1, "minute": 15}
